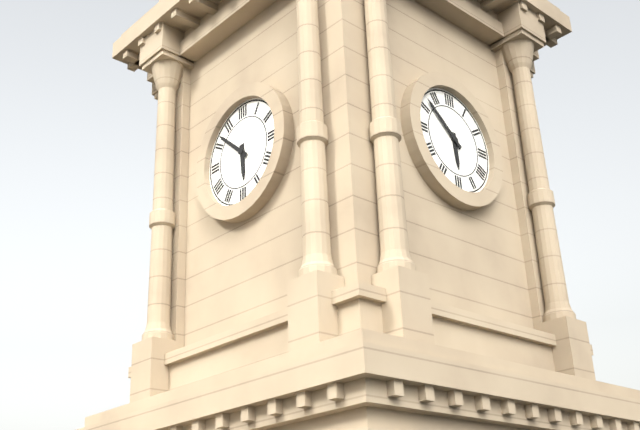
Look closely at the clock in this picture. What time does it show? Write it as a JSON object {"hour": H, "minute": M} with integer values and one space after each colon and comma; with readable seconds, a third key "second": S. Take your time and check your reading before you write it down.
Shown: {"hour": 5, "minute": 52}
